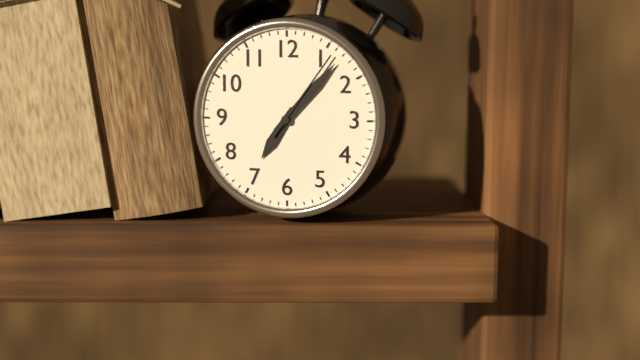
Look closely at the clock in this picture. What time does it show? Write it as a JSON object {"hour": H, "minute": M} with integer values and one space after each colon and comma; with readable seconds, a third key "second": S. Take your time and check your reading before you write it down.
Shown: {"hour": 7, "minute": 7, "second": 6}
